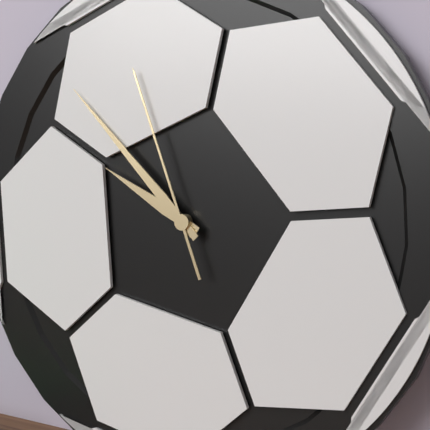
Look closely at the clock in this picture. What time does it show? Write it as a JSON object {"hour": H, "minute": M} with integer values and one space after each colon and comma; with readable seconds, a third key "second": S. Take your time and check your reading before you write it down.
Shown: {"hour": 9, "minute": 52, "second": 56}
